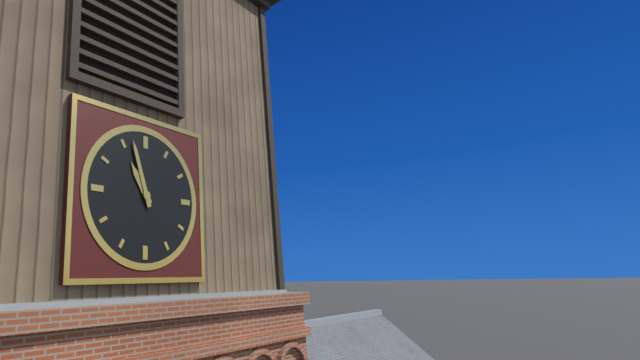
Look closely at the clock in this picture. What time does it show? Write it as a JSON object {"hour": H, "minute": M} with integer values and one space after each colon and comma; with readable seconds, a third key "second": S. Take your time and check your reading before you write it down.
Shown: {"hour": 10, "minute": 57}
